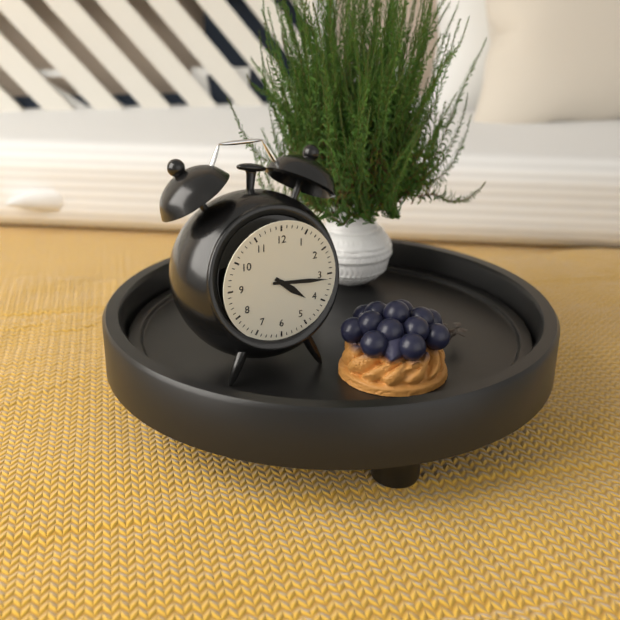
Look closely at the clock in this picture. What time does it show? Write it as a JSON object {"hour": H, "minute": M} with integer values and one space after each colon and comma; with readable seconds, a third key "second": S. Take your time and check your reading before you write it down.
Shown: {"hour": 4, "minute": 16}
